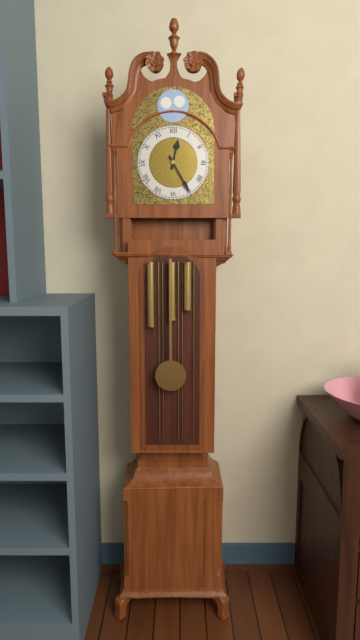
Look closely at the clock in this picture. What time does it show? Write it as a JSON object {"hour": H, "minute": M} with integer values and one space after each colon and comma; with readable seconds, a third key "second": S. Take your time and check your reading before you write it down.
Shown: {"hour": 12, "minute": 25}
